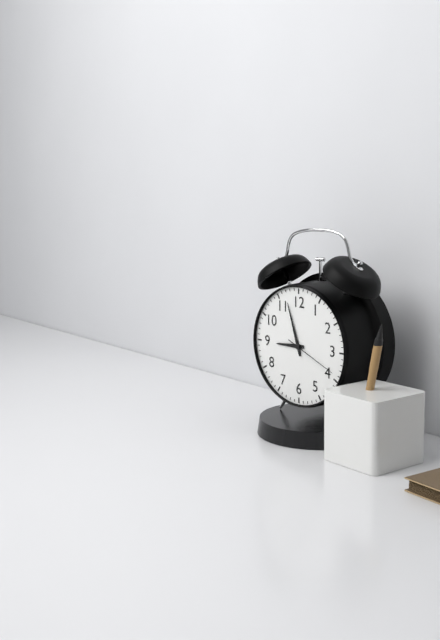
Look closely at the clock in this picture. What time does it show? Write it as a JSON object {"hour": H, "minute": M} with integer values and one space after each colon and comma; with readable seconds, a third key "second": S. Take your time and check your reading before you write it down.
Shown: {"hour": 8, "minute": 57, "second": 19}
